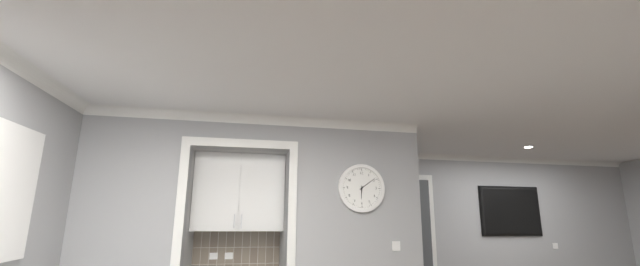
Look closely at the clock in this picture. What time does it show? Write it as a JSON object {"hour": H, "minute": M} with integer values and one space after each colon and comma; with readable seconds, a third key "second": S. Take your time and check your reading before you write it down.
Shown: {"hour": 6, "minute": 9}
